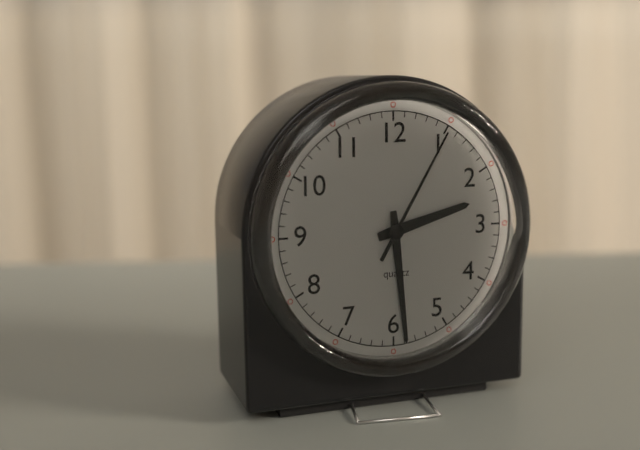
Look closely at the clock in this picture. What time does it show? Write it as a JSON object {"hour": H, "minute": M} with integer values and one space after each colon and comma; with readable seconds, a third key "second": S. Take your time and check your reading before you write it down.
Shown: {"hour": 2, "minute": 29, "second": 5}
